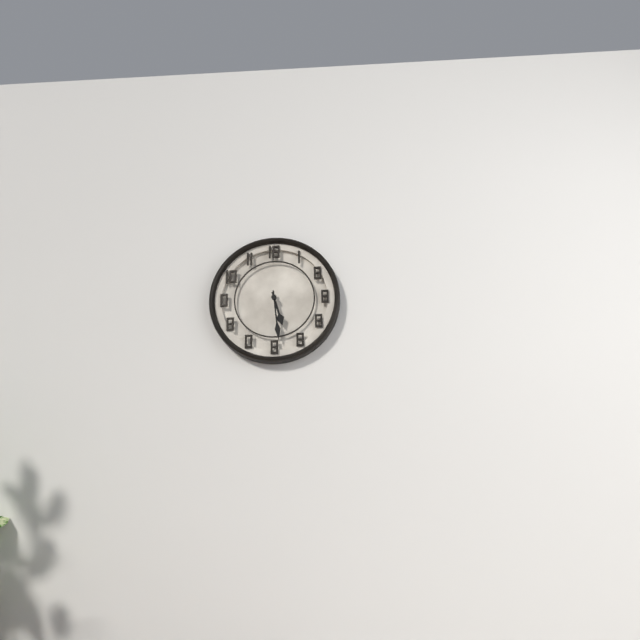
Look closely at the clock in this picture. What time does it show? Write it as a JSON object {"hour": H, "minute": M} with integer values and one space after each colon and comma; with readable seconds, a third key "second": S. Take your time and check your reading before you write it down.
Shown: {"hour": 5, "minute": 29}
